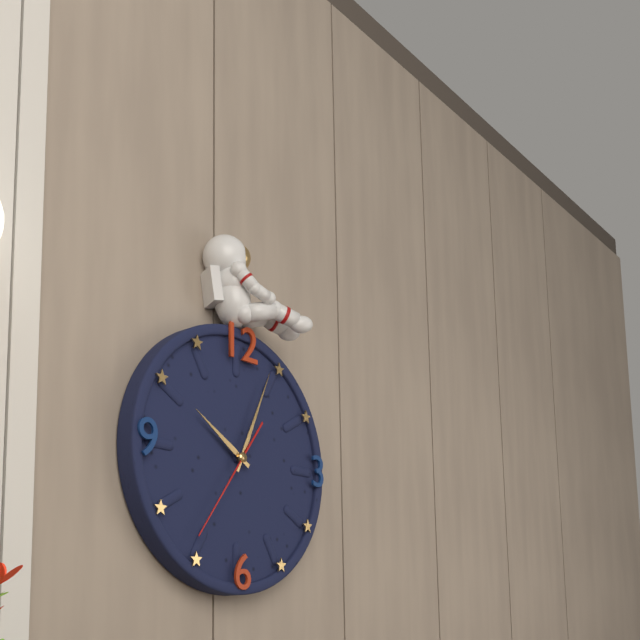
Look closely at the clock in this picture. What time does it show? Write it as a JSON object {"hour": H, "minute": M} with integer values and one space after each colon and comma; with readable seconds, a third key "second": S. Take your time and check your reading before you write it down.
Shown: {"hour": 10, "minute": 4, "second": 36}
